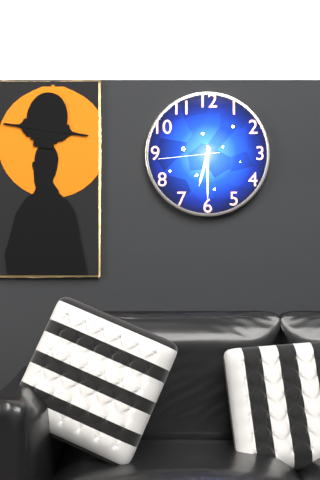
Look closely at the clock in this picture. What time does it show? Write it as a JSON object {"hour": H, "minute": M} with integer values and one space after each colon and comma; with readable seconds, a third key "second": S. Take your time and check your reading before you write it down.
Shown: {"hour": 6, "minute": 30, "second": 44}
